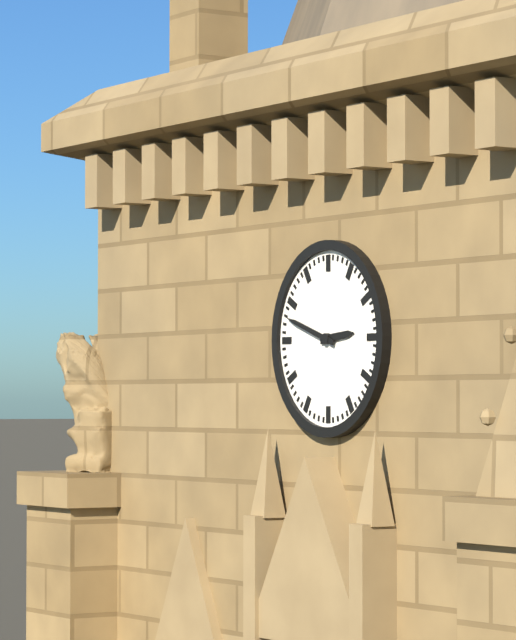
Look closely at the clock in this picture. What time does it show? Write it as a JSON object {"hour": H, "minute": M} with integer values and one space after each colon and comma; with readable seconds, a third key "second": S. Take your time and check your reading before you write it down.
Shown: {"hour": 2, "minute": 48}
